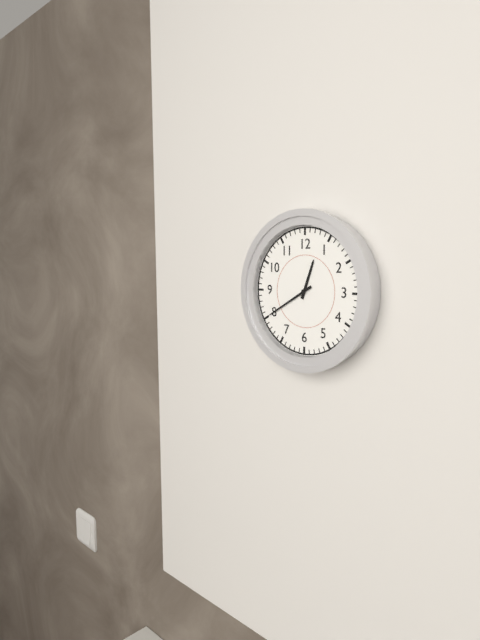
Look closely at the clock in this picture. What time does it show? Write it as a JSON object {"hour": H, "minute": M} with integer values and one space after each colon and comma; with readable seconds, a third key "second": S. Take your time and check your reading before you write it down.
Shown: {"hour": 12, "minute": 40}
